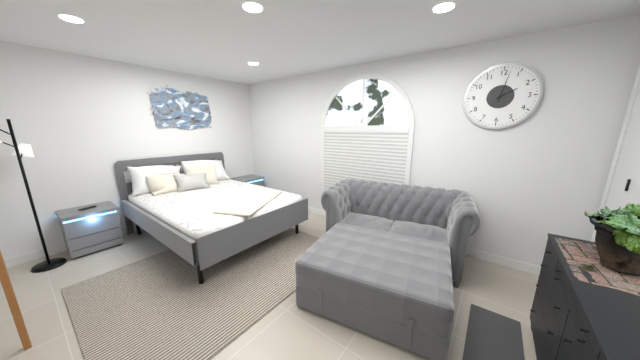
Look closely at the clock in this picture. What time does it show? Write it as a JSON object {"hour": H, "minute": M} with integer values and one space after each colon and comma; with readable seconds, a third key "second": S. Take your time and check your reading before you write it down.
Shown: {"hour": 2, "minute": 2}
